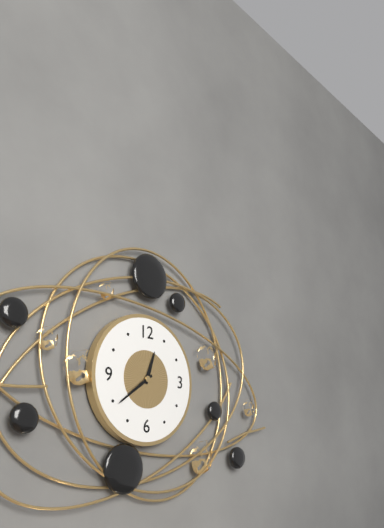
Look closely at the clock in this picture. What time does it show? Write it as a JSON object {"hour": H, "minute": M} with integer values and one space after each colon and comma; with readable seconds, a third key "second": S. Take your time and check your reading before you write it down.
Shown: {"hour": 12, "minute": 39}
